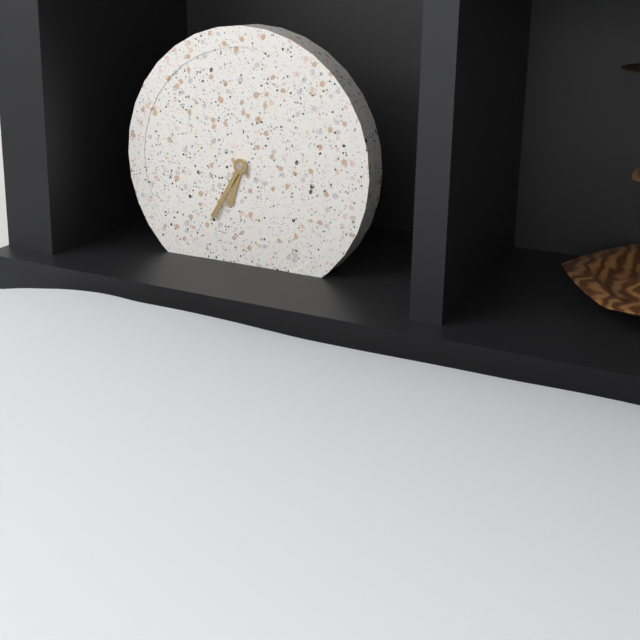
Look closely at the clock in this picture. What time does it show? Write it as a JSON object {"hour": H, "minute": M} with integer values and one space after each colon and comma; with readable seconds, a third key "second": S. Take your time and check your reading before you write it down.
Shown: {"hour": 6, "minute": 35}
